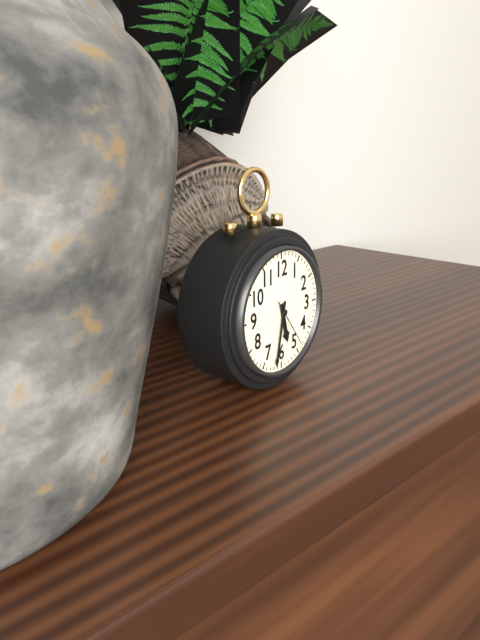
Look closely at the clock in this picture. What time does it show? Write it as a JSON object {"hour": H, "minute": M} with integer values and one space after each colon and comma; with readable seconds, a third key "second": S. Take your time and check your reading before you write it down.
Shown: {"hour": 5, "minute": 32}
